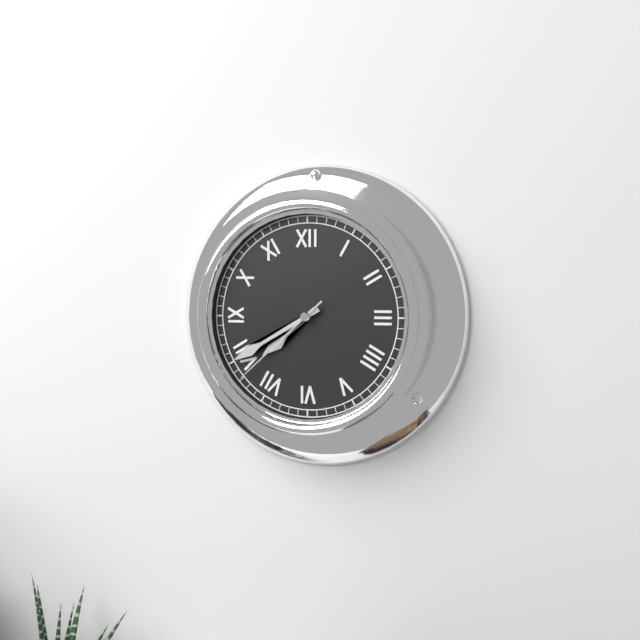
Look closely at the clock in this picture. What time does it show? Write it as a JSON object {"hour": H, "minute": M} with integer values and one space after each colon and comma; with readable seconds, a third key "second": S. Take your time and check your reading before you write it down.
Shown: {"hour": 7, "minute": 40, "second": 38}
